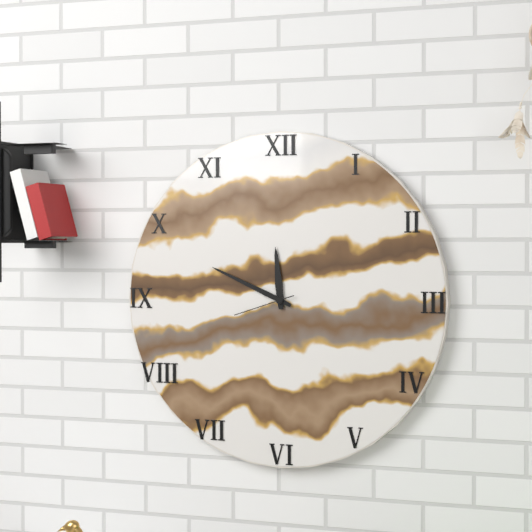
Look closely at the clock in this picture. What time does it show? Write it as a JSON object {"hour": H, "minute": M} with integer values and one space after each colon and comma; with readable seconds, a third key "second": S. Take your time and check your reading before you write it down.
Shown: {"hour": 11, "minute": 49, "second": 42}
